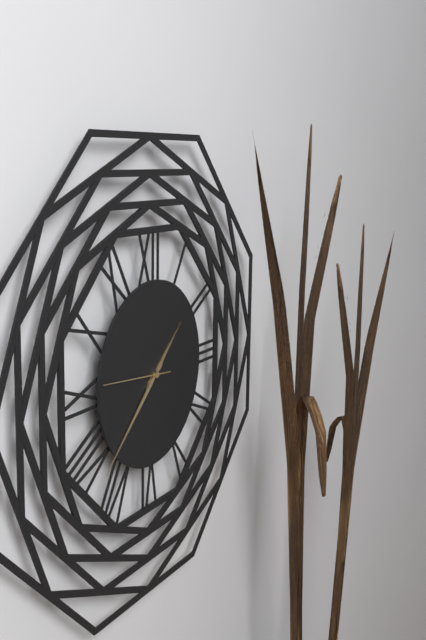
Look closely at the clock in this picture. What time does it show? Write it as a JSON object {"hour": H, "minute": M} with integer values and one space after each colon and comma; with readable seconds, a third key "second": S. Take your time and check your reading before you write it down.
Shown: {"hour": 1, "minute": 38, "second": 46}
